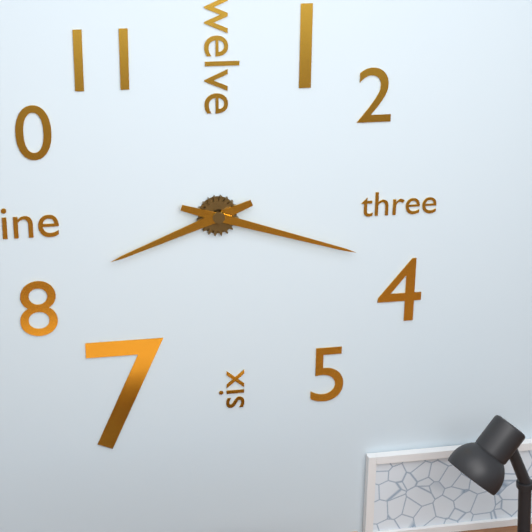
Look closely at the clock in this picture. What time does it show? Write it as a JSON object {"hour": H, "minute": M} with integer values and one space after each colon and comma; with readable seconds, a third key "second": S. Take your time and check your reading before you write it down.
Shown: {"hour": 8, "minute": 18}
